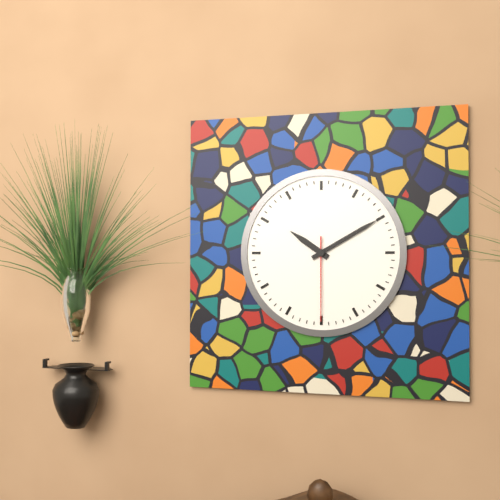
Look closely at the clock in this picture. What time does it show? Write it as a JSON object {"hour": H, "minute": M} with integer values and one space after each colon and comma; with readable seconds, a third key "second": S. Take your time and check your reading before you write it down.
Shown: {"hour": 10, "minute": 10, "second": 30}
